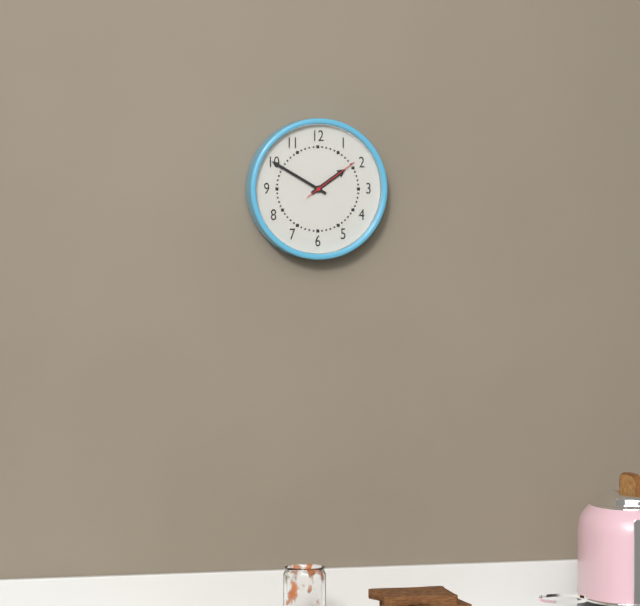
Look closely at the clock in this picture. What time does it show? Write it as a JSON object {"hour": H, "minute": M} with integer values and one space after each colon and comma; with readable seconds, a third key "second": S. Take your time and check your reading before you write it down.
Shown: {"hour": 1, "minute": 50, "second": 9}
